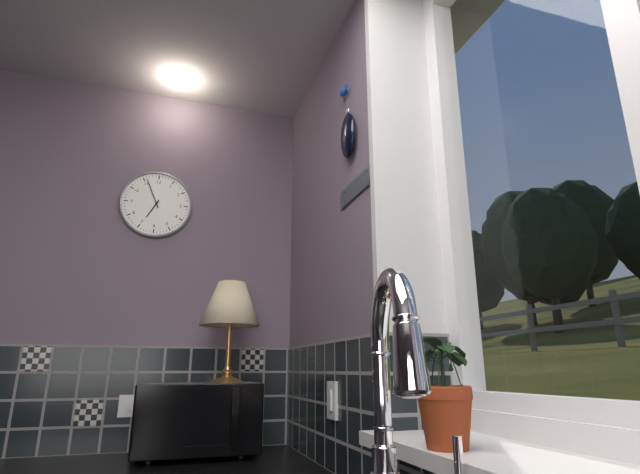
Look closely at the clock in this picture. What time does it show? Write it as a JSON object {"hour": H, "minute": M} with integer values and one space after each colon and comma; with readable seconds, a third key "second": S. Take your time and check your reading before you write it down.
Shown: {"hour": 6, "minute": 56}
